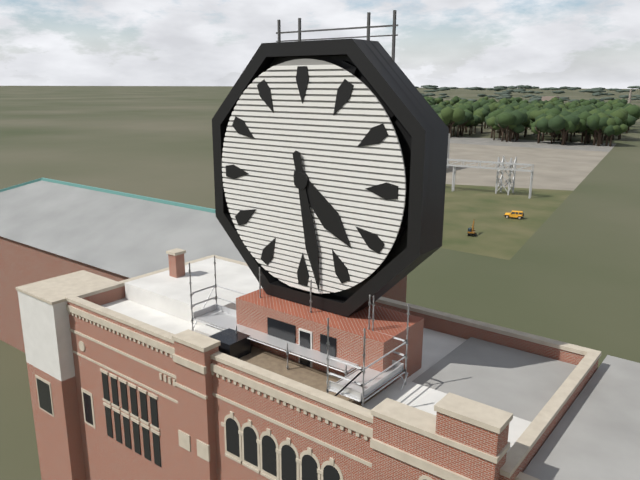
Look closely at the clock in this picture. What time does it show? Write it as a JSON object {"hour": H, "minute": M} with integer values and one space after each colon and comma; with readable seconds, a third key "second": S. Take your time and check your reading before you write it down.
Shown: {"hour": 4, "minute": 28}
